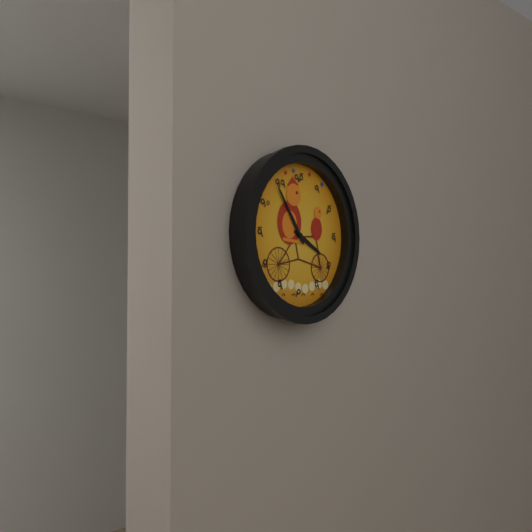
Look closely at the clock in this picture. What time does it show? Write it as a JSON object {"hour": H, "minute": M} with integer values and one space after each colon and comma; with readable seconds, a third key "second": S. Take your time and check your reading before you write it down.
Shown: {"hour": 3, "minute": 54}
